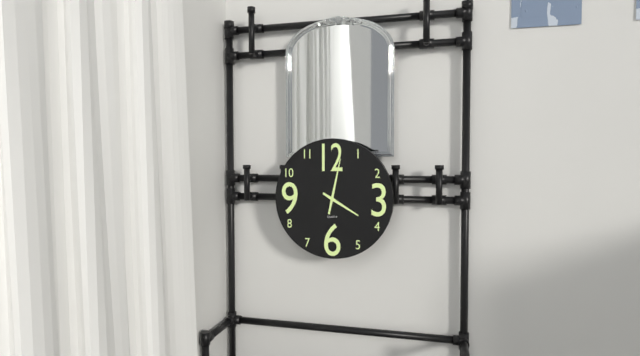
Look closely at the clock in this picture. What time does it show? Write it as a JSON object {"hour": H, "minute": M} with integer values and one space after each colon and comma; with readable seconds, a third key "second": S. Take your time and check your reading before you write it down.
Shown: {"hour": 4, "minute": 2}
